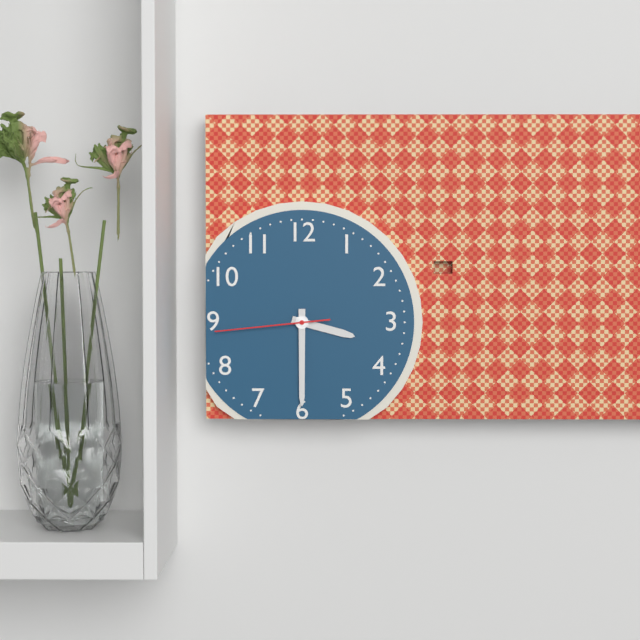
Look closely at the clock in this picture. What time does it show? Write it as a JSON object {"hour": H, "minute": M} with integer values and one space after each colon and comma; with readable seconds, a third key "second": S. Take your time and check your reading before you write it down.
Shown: {"hour": 3, "minute": 30, "second": 44}
